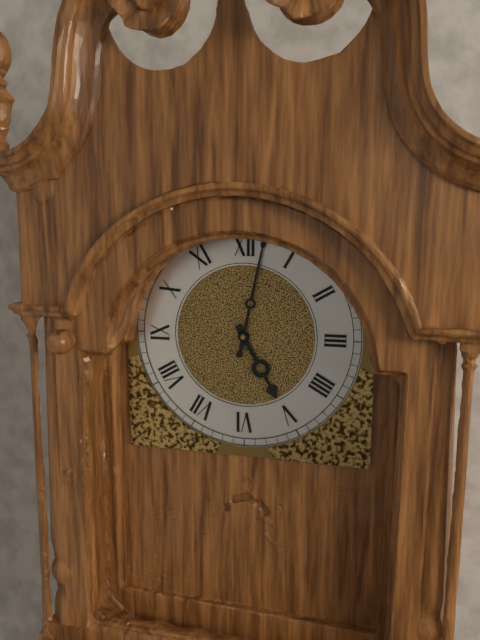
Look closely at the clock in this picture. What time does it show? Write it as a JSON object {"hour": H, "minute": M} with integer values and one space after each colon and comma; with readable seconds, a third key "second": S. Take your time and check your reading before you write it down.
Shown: {"hour": 5, "minute": 2}
